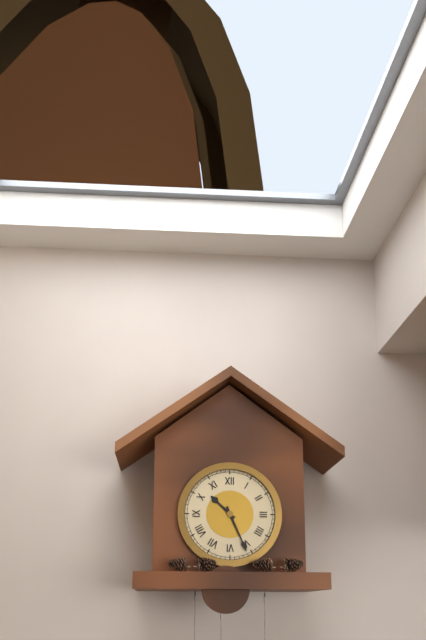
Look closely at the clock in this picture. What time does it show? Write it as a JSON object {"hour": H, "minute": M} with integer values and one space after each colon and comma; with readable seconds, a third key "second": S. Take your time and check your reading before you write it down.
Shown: {"hour": 10, "minute": 26}
